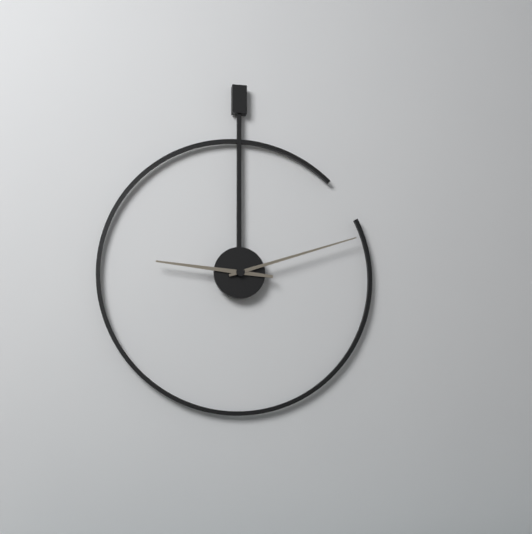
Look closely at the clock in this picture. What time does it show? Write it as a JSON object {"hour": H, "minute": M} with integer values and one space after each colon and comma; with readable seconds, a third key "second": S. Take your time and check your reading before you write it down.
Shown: {"hour": 9, "minute": 12}
